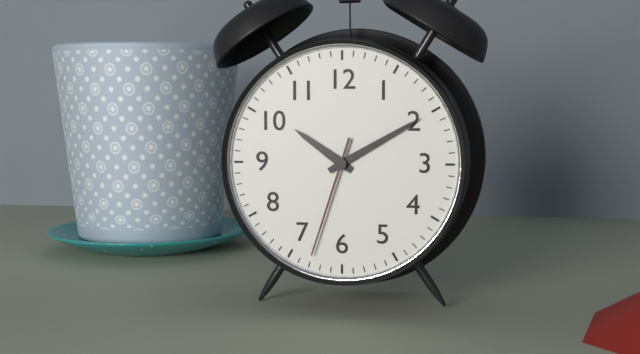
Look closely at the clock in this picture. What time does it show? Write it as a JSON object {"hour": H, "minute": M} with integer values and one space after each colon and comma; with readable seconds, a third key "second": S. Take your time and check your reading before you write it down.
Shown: {"hour": 10, "minute": 10, "second": 33}
